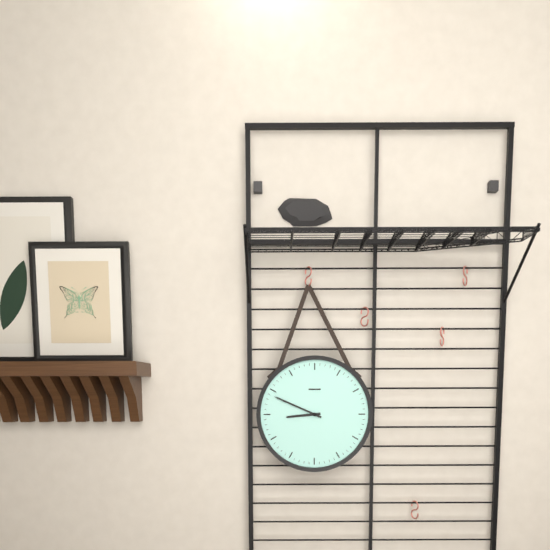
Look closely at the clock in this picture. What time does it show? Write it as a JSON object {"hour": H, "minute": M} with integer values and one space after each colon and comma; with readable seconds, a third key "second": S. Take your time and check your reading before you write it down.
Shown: {"hour": 8, "minute": 49}
